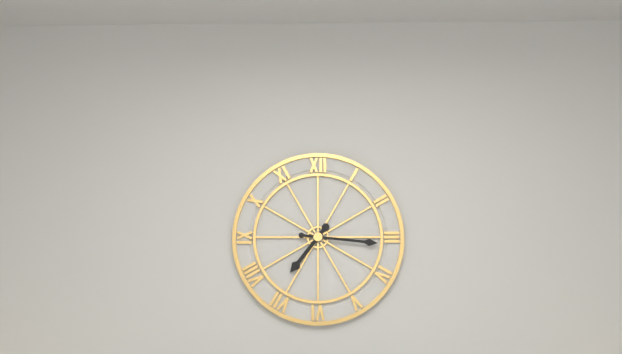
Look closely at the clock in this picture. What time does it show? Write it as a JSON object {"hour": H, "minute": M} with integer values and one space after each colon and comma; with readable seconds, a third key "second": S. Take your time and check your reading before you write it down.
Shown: {"hour": 7, "minute": 16}
